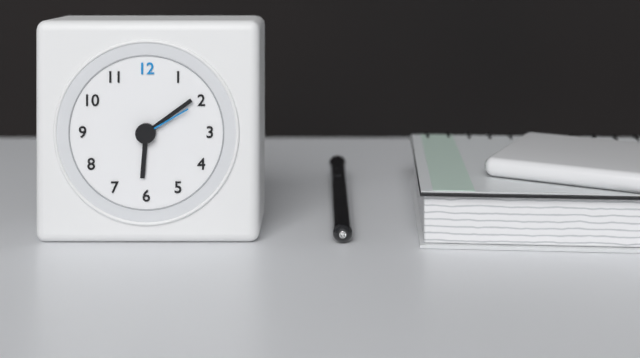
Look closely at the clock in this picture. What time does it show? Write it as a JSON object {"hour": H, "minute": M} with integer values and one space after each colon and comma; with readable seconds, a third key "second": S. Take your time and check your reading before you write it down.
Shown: {"hour": 6, "minute": 9, "second": 10}
